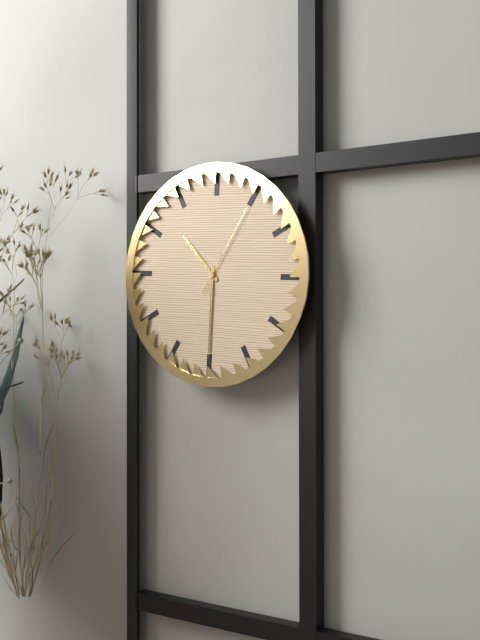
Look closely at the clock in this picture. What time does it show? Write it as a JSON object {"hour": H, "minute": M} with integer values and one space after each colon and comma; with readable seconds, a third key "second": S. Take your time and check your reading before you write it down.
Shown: {"hour": 10, "minute": 30, "second": 5}
